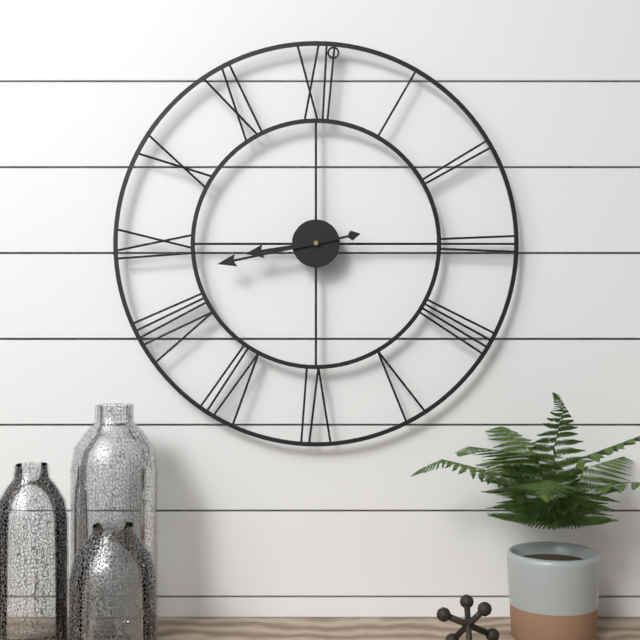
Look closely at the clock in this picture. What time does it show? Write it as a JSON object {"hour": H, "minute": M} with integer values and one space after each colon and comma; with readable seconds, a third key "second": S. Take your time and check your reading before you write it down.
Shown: {"hour": 8, "minute": 43}
